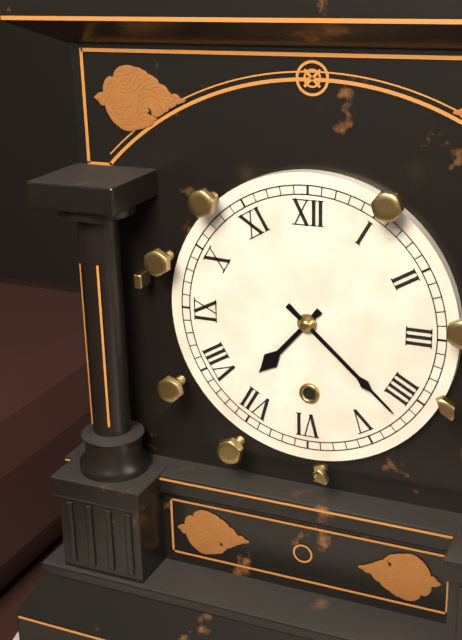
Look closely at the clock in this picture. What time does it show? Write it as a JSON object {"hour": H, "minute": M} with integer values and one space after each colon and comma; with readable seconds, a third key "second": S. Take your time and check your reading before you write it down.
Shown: {"hour": 7, "minute": 22}
